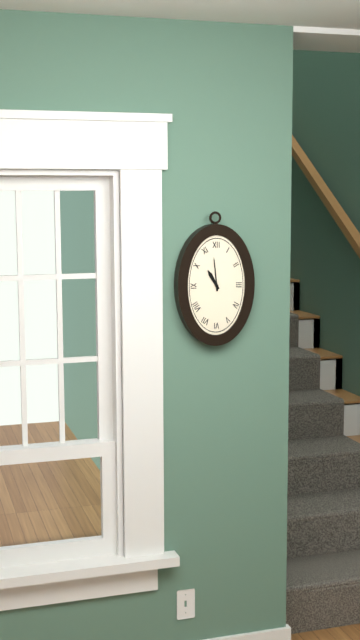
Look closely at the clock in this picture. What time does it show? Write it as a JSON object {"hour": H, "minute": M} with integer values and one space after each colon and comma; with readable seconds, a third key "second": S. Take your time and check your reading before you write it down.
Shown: {"hour": 10, "minute": 59}
